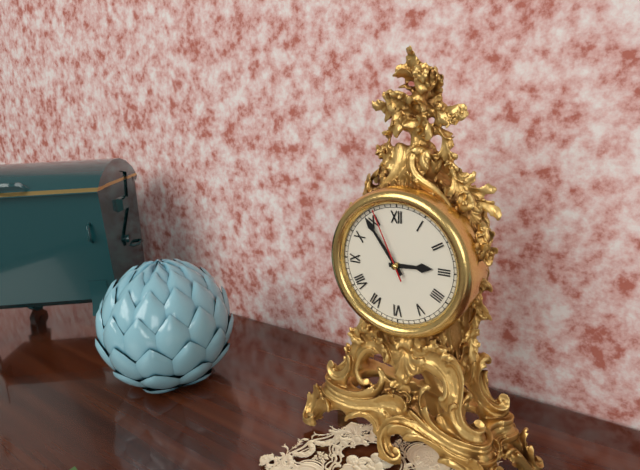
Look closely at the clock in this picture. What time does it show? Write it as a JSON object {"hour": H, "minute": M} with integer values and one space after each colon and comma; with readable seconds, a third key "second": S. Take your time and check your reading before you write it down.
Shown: {"hour": 2, "minute": 54, "second": 56}
